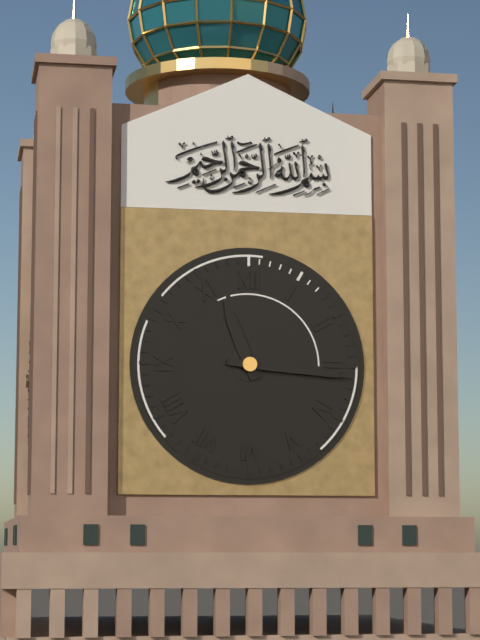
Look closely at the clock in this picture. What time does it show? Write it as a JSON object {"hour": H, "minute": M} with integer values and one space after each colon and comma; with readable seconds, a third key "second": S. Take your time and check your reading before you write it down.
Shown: {"hour": 11, "minute": 16}
